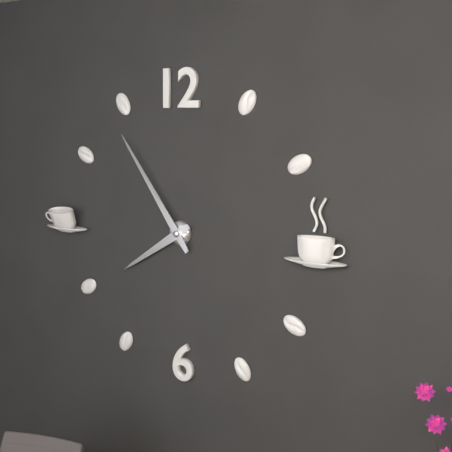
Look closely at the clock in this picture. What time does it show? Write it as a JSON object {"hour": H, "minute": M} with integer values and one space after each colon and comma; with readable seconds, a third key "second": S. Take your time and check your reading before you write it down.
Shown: {"hour": 7, "minute": 54}
